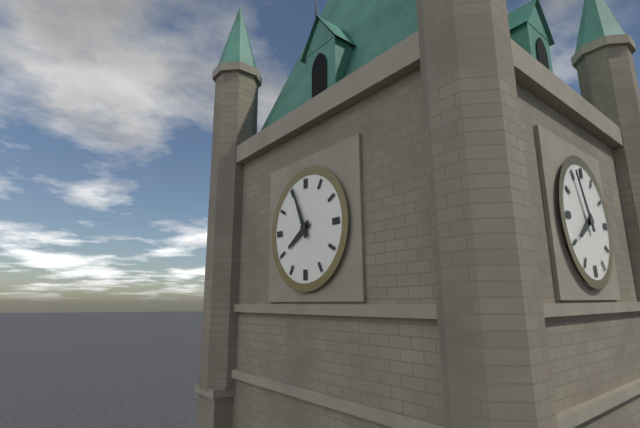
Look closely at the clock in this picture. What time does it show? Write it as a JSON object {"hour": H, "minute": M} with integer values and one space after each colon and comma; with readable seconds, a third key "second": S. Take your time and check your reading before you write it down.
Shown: {"hour": 7, "minute": 56}
